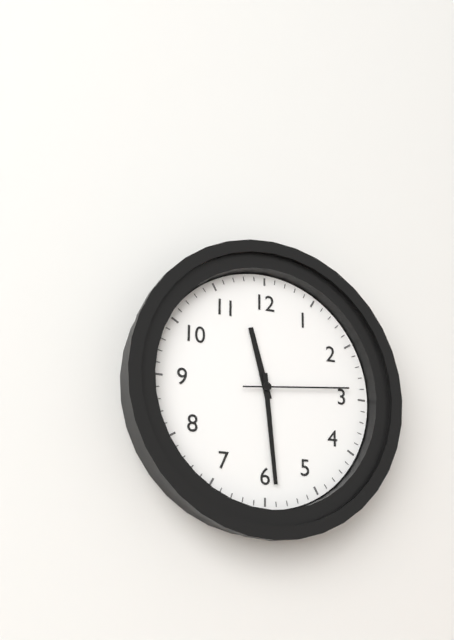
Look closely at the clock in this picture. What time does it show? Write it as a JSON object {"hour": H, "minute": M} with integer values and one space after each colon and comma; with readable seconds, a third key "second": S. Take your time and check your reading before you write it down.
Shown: {"hour": 11, "minute": 29, "second": 14}
